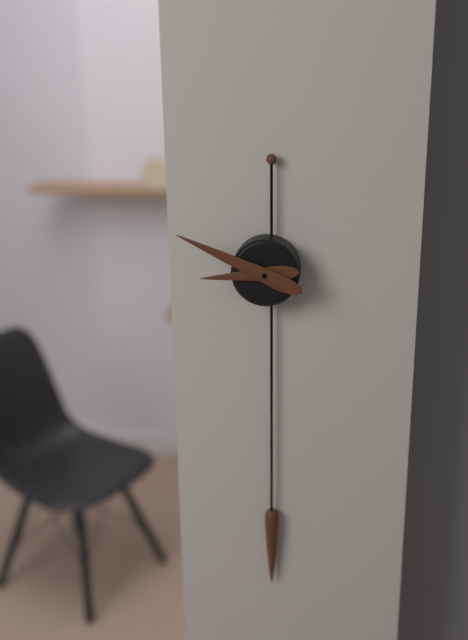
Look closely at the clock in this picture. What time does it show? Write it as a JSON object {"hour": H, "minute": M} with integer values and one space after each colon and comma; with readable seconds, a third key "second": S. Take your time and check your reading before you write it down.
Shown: {"hour": 8, "minute": 49}
